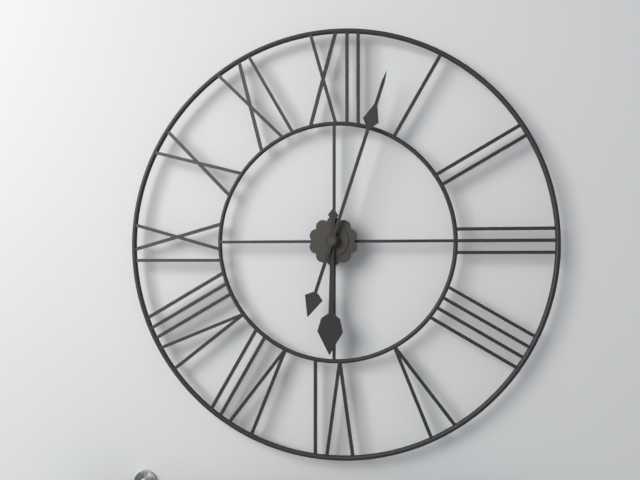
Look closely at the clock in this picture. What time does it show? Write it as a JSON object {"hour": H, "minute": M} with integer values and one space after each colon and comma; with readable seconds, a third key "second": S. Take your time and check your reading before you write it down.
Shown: {"hour": 6, "minute": 3}
